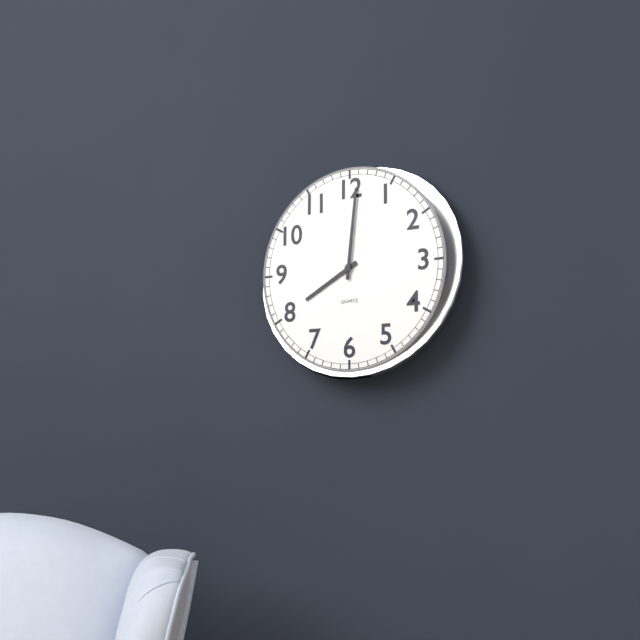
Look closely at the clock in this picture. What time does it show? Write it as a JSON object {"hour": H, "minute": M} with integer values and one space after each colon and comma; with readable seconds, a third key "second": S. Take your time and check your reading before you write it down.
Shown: {"hour": 8, "minute": 1}
